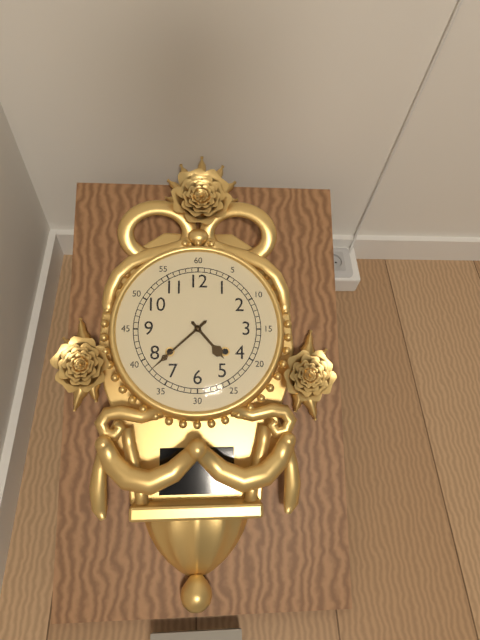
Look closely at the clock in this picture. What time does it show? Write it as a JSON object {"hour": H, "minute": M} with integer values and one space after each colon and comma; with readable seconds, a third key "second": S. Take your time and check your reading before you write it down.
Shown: {"hour": 4, "minute": 38}
